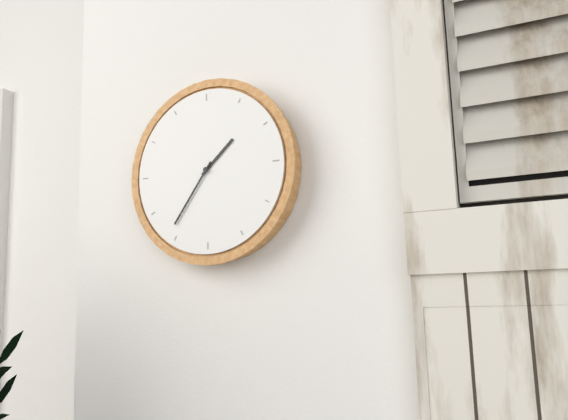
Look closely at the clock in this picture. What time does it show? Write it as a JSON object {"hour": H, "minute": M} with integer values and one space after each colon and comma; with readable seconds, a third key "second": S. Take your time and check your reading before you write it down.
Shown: {"hour": 1, "minute": 36}
